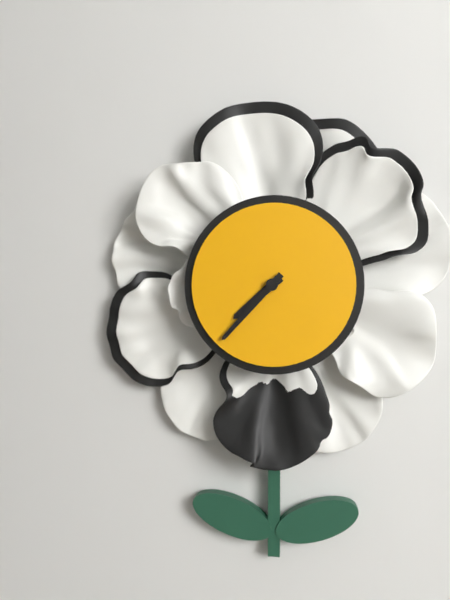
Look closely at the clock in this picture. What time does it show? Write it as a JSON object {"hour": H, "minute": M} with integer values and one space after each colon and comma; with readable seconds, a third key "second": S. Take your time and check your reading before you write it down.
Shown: {"hour": 7, "minute": 37}
